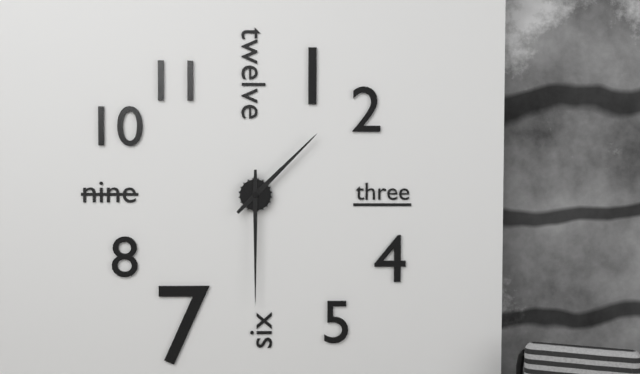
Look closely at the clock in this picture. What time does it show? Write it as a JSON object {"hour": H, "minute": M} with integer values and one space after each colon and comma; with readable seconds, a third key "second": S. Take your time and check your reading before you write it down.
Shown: {"hour": 1, "minute": 30}
